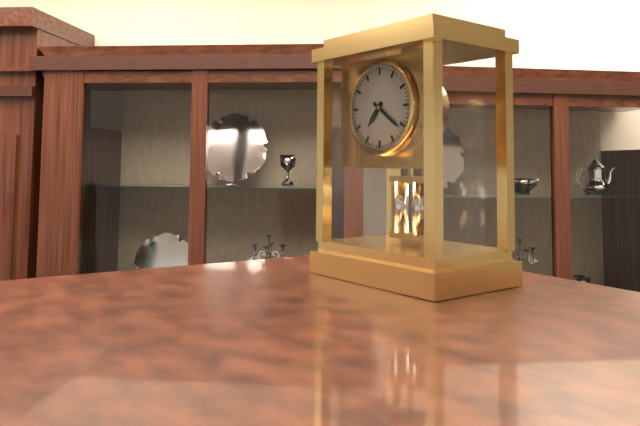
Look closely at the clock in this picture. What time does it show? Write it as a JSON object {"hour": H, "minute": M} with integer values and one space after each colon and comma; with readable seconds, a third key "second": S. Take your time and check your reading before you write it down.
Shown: {"hour": 7, "minute": 21}
